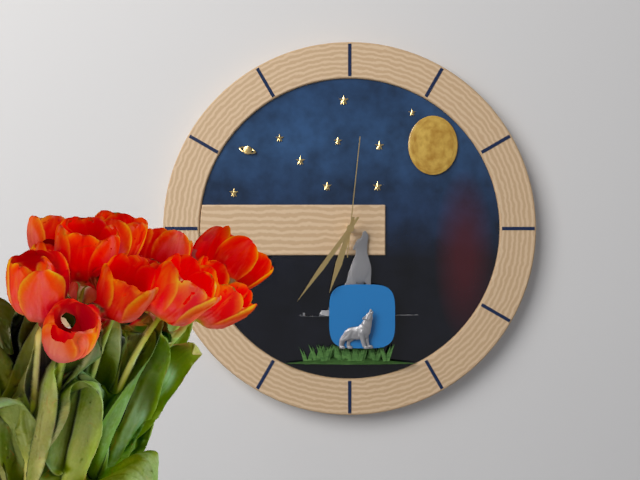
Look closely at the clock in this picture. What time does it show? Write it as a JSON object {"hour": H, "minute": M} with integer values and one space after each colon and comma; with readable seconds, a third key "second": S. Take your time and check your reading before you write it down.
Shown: {"hour": 6, "minute": 36, "second": 1}
